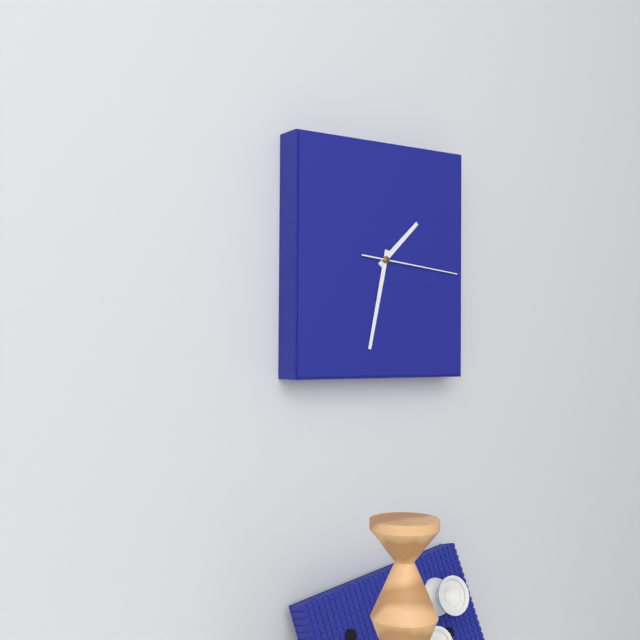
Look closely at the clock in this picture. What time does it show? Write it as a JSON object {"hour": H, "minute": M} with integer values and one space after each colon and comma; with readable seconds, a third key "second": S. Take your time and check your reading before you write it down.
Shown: {"hour": 1, "minute": 32, "second": 16}
